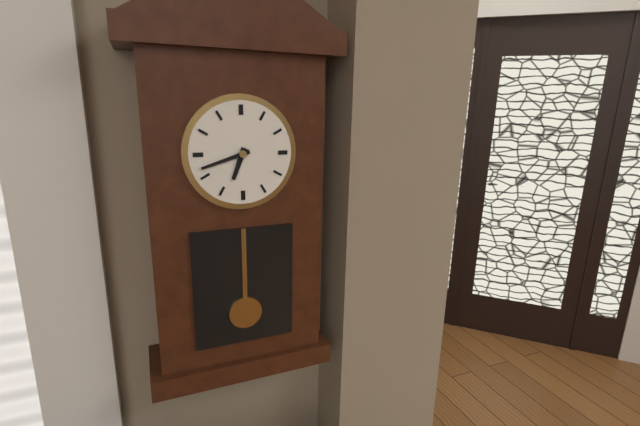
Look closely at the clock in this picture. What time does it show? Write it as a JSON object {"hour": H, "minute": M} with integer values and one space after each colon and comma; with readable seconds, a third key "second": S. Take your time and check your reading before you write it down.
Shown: {"hour": 6, "minute": 42}
